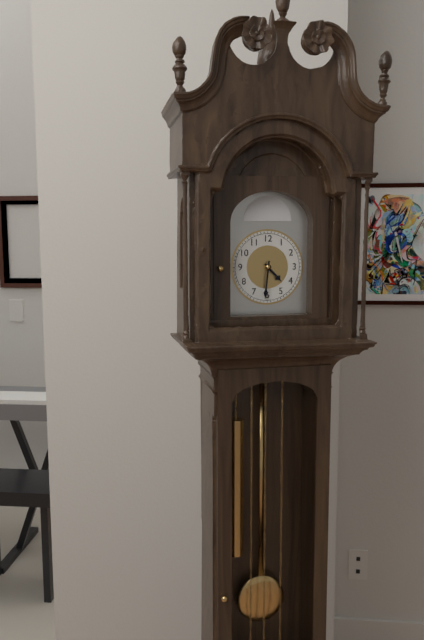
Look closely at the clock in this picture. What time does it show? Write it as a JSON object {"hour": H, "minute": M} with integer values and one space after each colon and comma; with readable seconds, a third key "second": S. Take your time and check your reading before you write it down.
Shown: {"hour": 4, "minute": 31}
